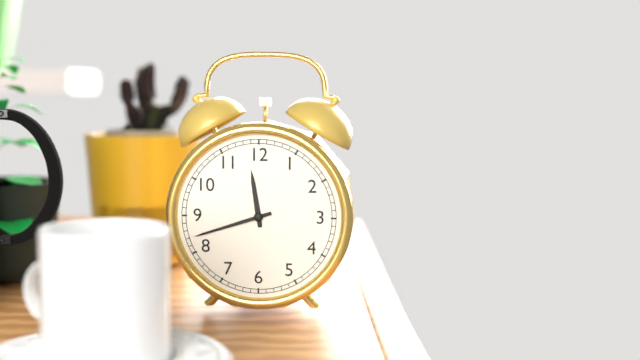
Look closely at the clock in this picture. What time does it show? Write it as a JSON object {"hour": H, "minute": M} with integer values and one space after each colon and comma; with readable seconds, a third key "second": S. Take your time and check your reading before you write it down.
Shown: {"hour": 11, "minute": 42}
